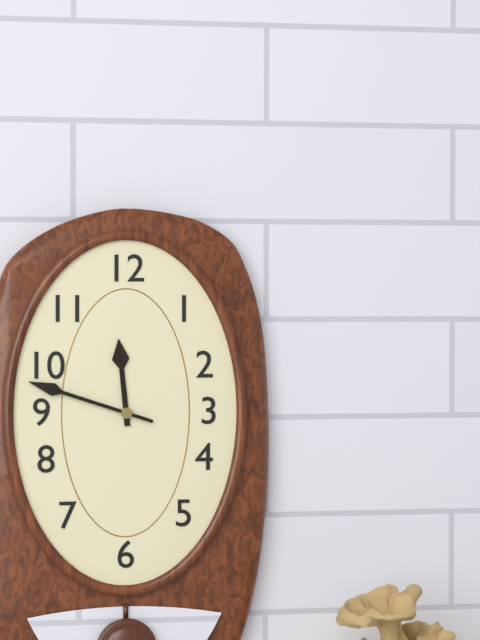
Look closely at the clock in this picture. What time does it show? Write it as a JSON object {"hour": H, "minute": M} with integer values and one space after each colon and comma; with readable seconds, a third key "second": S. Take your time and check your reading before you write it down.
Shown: {"hour": 11, "minute": 48}
